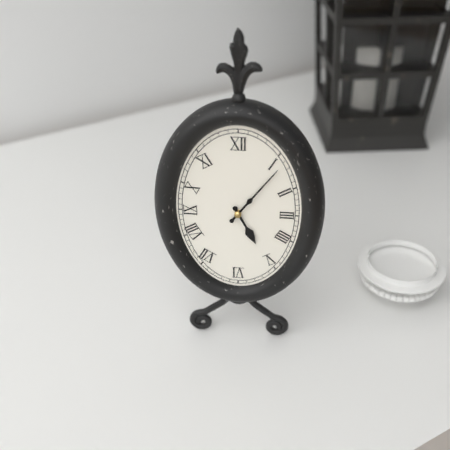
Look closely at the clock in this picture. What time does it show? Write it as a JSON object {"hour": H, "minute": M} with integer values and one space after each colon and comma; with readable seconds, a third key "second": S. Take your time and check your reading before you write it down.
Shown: {"hour": 5, "minute": 6}
